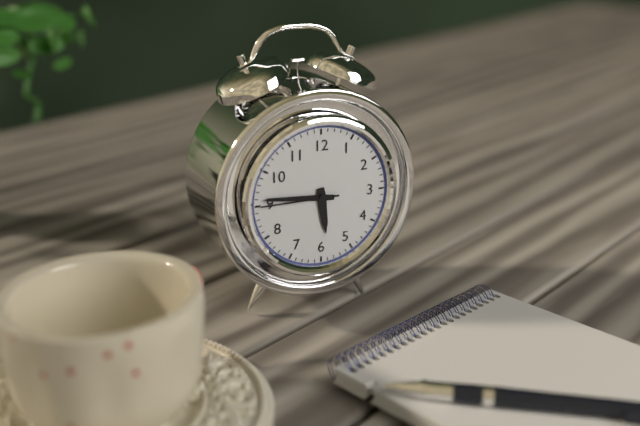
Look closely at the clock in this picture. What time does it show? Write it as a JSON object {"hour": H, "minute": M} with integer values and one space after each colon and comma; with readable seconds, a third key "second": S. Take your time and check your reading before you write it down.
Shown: {"hour": 5, "minute": 46, "second": 45}
